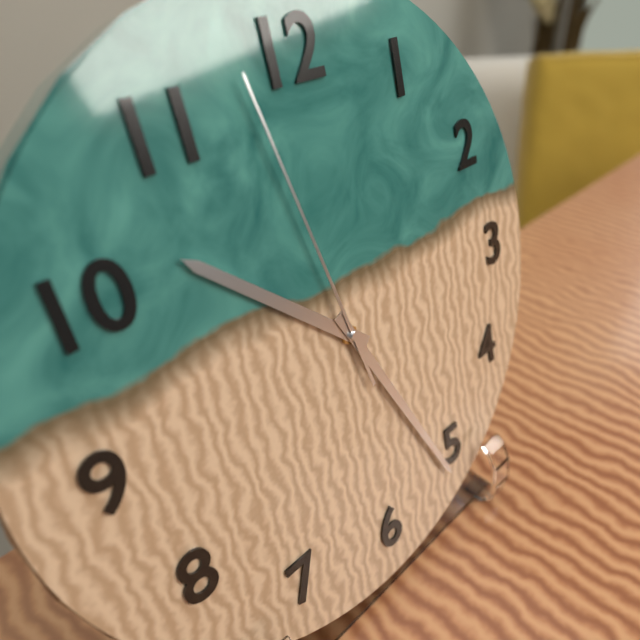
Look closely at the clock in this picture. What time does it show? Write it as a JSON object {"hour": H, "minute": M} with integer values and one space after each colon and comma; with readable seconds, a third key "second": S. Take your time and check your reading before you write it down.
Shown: {"hour": 10, "minute": 26, "second": 58}
